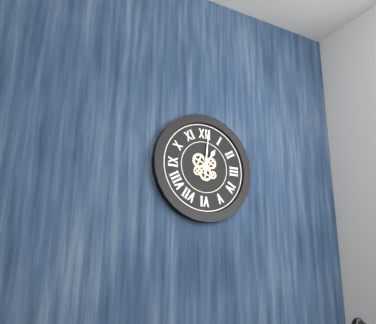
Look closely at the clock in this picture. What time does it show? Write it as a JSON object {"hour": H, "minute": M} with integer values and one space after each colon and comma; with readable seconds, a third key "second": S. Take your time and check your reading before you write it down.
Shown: {"hour": 1, "minute": 1}
